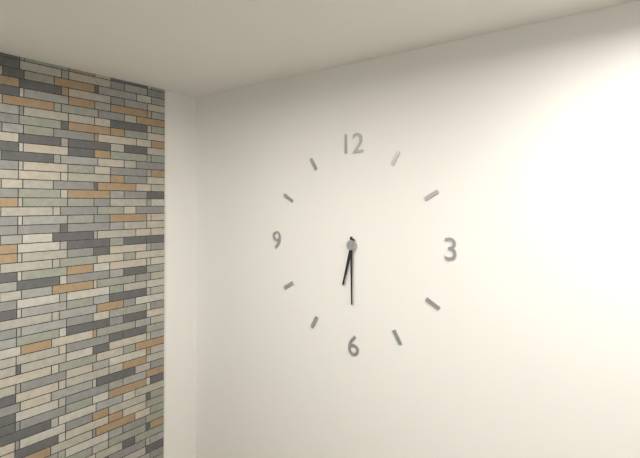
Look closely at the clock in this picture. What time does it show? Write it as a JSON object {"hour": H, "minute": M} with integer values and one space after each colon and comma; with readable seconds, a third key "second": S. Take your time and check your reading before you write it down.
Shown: {"hour": 6, "minute": 30}
